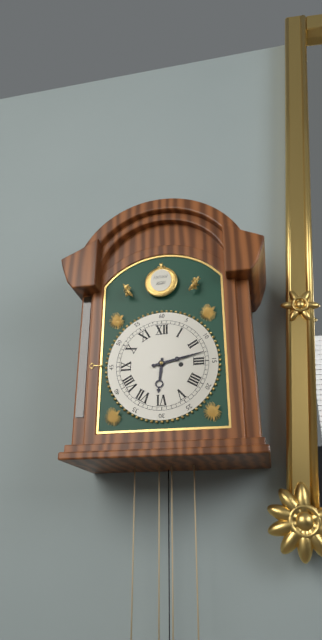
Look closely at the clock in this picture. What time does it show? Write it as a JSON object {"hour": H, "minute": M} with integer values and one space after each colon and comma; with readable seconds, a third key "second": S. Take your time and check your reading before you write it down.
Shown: {"hour": 6, "minute": 13}
